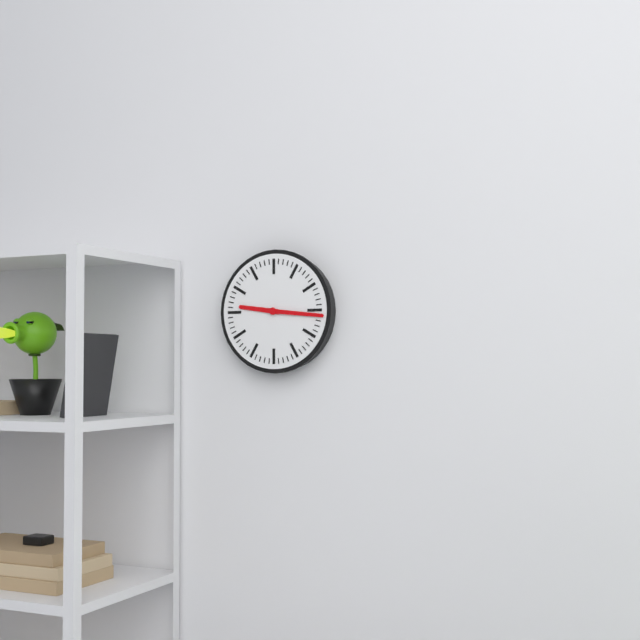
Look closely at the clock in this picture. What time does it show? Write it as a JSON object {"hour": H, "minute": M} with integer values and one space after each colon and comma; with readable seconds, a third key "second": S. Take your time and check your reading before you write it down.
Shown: {"hour": 9, "minute": 16}
